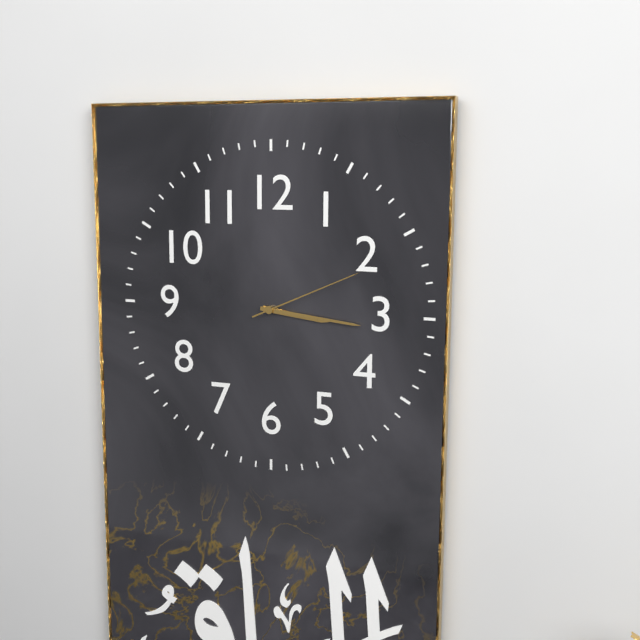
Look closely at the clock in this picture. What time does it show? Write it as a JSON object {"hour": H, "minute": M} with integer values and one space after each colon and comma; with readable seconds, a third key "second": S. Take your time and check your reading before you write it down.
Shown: {"hour": 3, "minute": 16, "second": 11}
